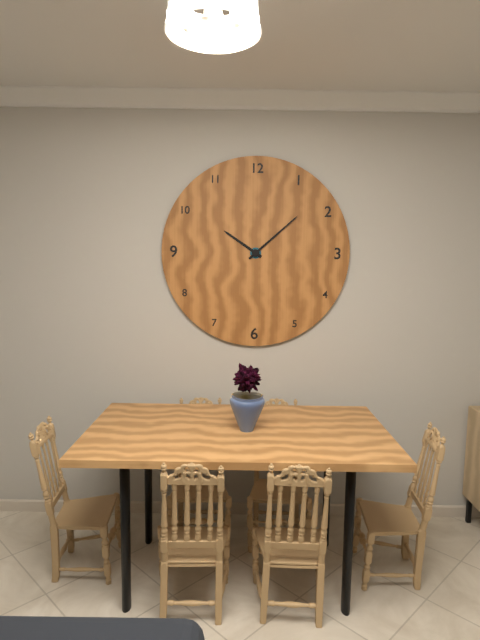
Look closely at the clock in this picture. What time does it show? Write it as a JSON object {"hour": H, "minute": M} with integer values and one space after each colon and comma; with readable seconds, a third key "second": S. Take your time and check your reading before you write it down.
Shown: {"hour": 10, "minute": 8}
